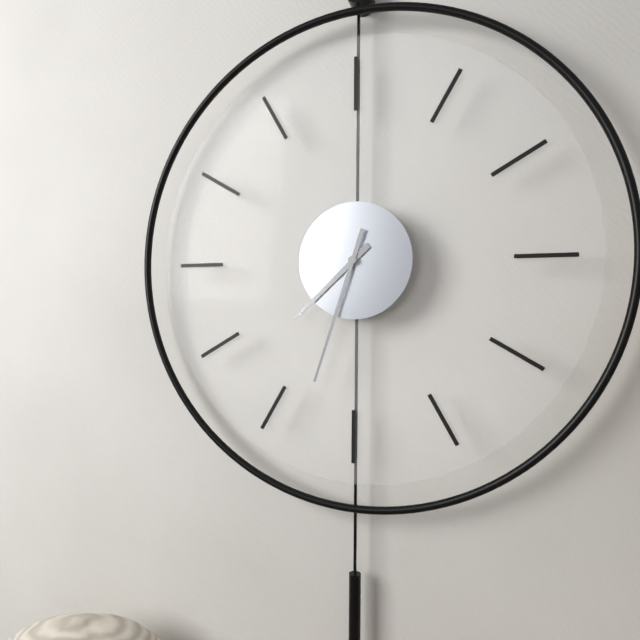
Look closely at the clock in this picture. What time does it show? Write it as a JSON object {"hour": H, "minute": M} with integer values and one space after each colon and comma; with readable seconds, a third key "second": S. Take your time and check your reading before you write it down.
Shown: {"hour": 7, "minute": 33}
